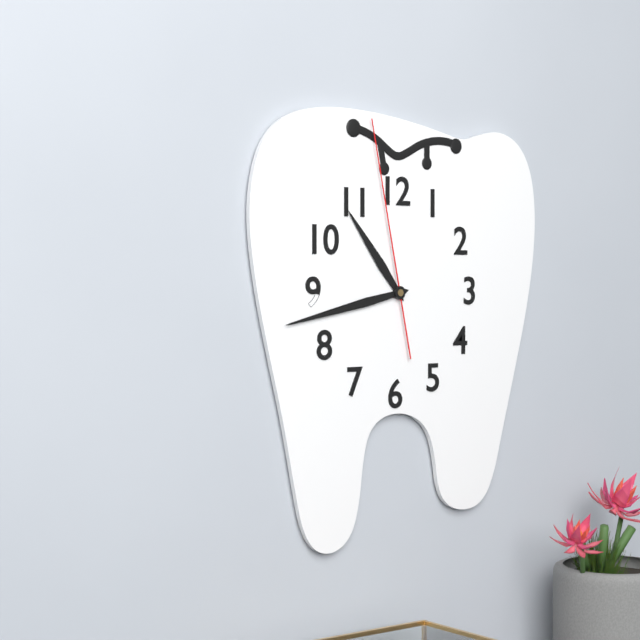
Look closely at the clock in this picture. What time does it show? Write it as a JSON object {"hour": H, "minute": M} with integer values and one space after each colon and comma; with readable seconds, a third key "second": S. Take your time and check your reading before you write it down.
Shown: {"hour": 10, "minute": 43, "second": 58}
